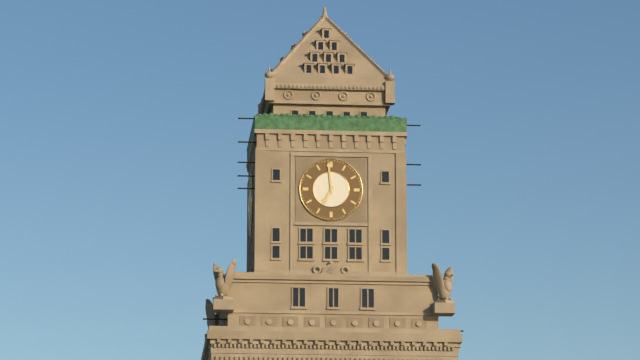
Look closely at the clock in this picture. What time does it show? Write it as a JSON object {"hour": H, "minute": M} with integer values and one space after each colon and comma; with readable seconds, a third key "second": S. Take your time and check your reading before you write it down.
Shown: {"hour": 6, "minute": 59}
